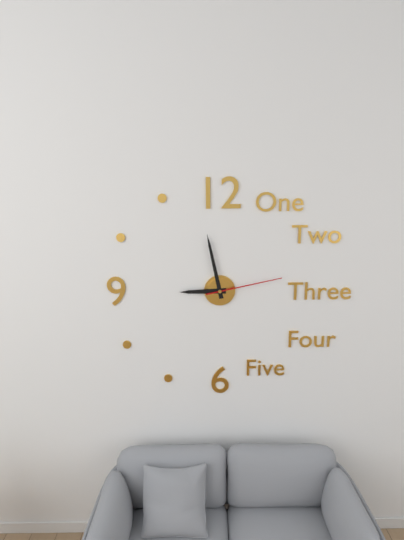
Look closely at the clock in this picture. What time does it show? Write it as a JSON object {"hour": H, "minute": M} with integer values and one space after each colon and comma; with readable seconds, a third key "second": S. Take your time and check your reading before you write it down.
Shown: {"hour": 8, "minute": 58, "second": 13}
